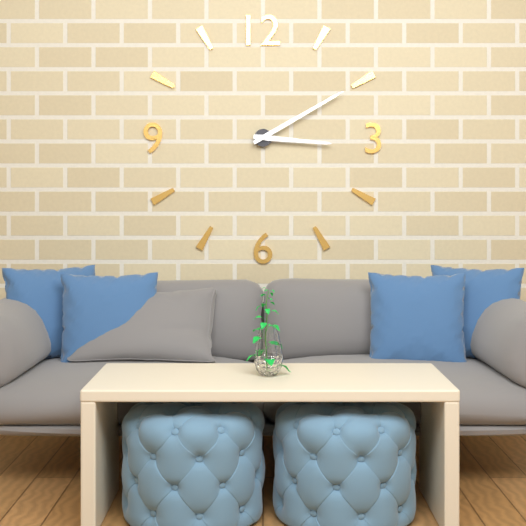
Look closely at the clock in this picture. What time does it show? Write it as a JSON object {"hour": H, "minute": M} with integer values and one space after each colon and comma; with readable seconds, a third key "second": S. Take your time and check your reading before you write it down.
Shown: {"hour": 3, "minute": 10}
